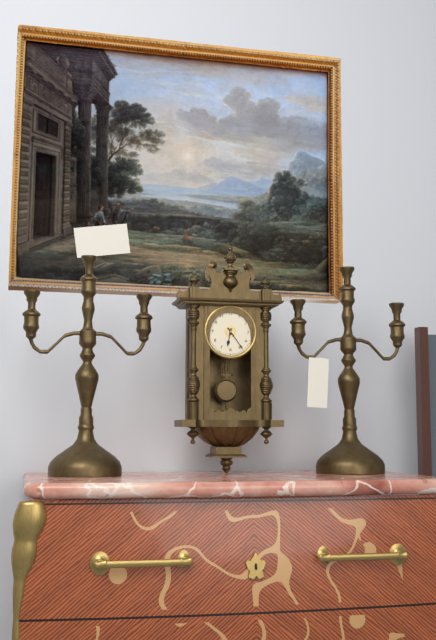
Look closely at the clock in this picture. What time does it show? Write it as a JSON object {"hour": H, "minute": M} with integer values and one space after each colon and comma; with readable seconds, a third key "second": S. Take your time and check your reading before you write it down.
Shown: {"hour": 6, "minute": 24}
